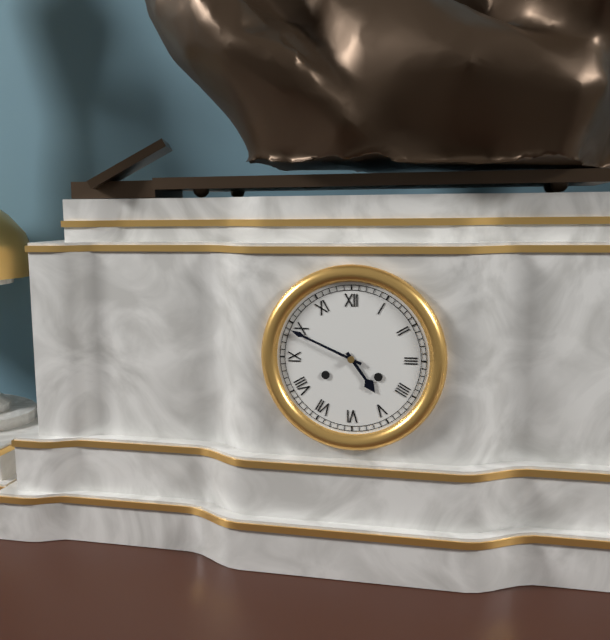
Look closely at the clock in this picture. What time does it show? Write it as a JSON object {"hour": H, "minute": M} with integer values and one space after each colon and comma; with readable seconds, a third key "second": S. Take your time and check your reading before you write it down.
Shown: {"hour": 4, "minute": 49}
